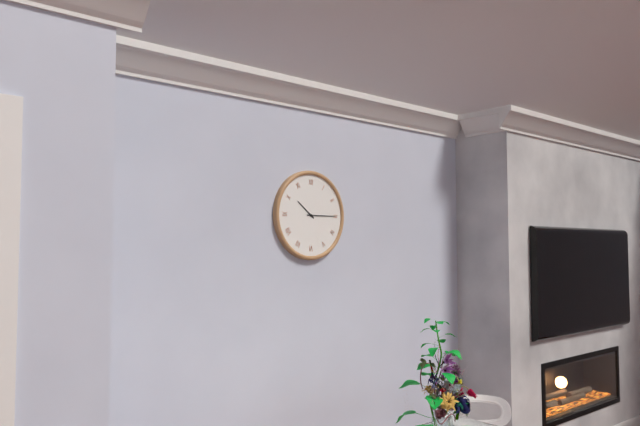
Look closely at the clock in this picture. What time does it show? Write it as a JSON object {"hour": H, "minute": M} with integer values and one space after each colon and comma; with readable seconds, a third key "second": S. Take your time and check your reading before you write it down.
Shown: {"hour": 10, "minute": 15}
